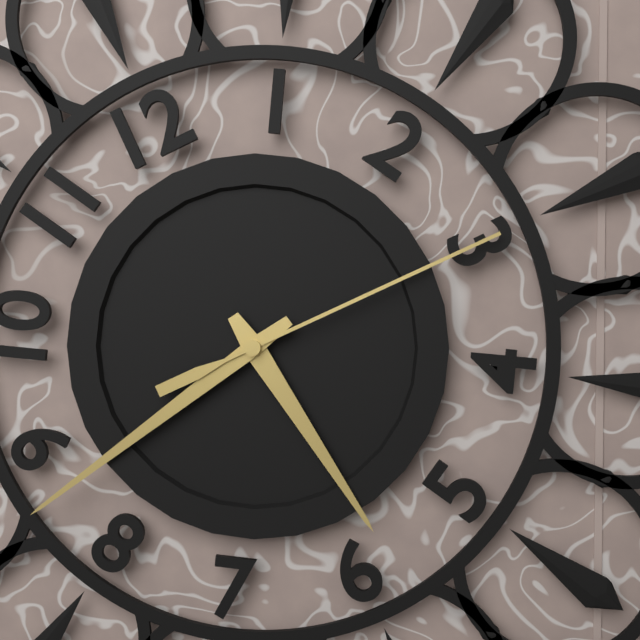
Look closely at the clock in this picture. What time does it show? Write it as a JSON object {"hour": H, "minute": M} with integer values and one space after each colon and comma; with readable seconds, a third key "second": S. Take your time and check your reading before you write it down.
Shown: {"hour": 5, "minute": 43, "second": 15}
